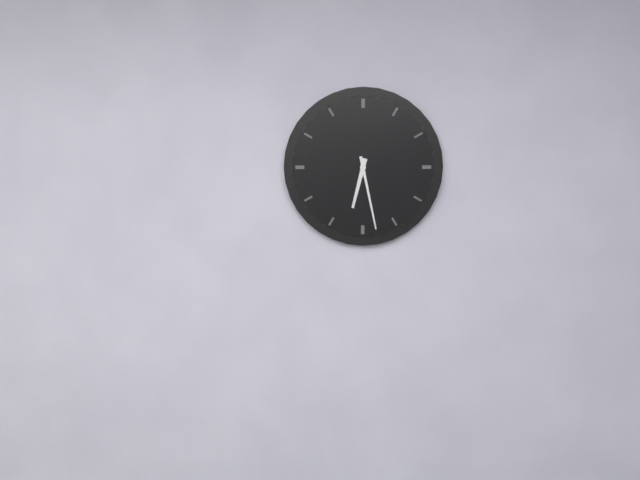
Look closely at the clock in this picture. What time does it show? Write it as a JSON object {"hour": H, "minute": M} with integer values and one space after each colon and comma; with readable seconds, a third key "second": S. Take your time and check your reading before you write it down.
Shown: {"hour": 6, "minute": 28}
